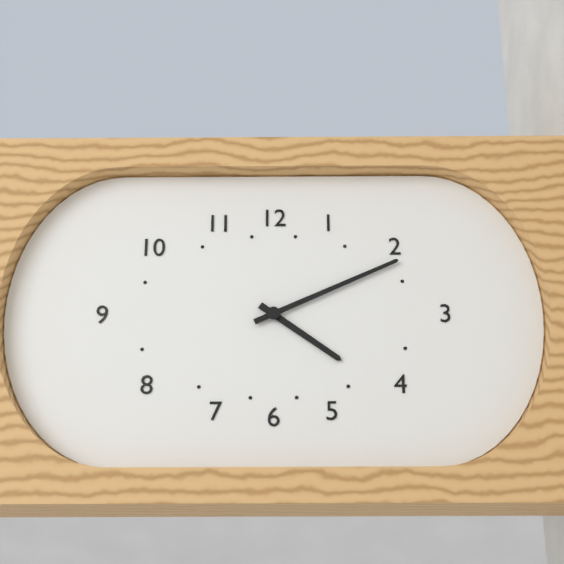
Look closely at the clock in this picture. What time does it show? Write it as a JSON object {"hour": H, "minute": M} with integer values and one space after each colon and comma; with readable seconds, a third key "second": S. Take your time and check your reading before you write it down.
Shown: {"hour": 4, "minute": 11}
